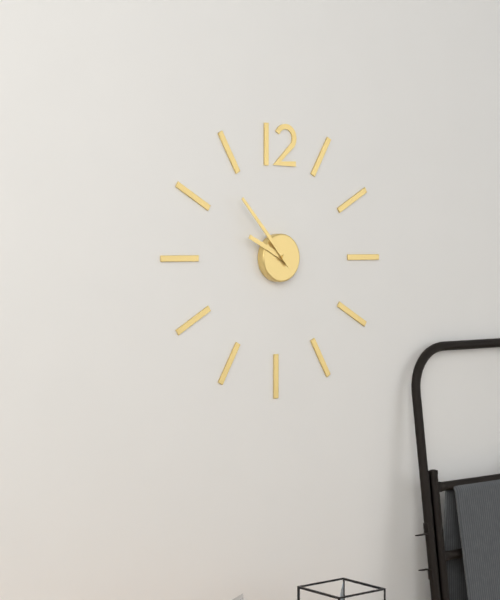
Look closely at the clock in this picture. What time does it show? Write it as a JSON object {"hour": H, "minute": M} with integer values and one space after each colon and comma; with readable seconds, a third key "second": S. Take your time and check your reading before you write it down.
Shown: {"hour": 9, "minute": 53}
